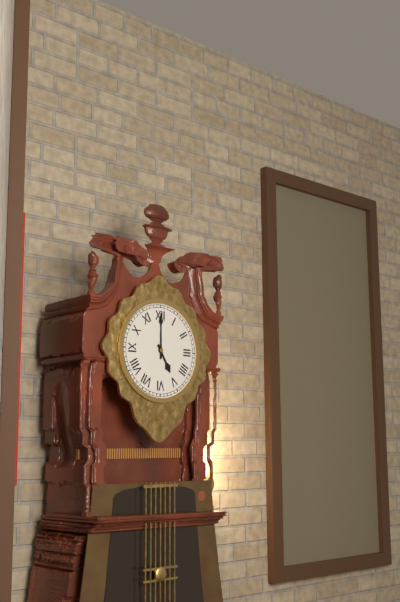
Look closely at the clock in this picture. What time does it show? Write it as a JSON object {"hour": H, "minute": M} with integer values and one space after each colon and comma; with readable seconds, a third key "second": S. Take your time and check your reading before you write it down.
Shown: {"hour": 5, "minute": 0}
